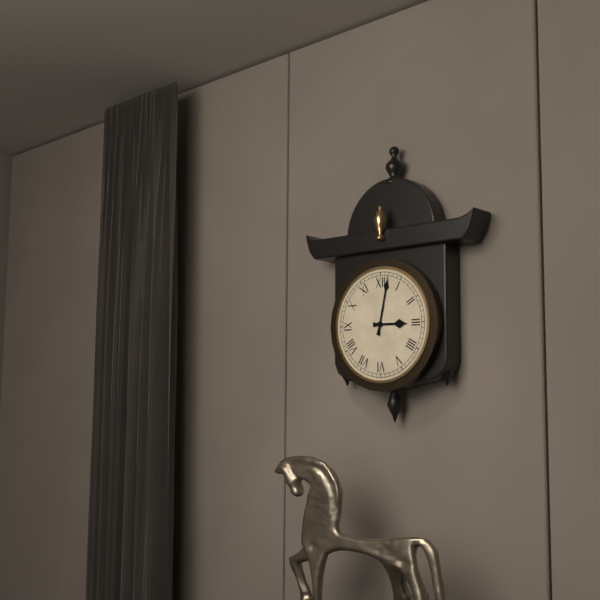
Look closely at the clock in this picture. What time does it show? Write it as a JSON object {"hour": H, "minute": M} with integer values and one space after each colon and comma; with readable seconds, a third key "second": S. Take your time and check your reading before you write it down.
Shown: {"hour": 3, "minute": 2}
